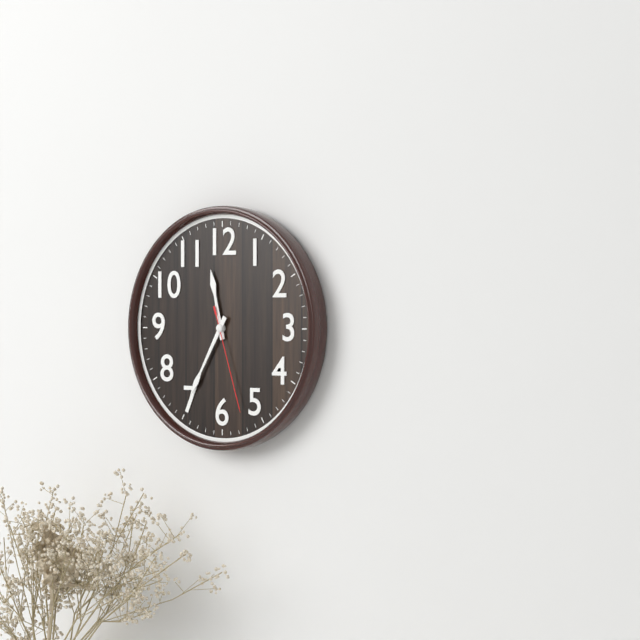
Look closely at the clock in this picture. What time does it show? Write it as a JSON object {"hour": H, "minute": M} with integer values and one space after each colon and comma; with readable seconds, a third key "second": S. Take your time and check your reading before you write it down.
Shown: {"hour": 11, "minute": 35, "second": 27}
